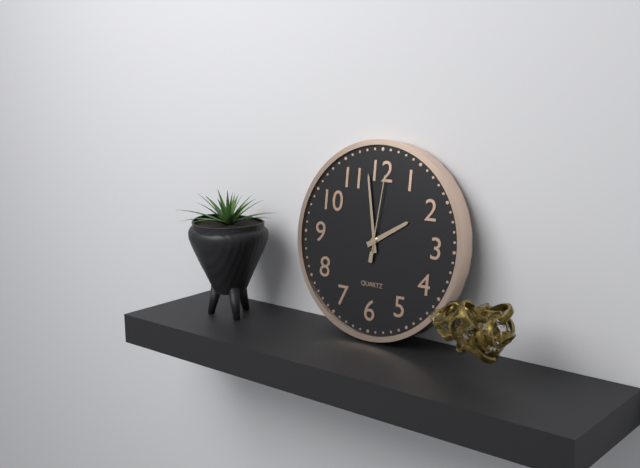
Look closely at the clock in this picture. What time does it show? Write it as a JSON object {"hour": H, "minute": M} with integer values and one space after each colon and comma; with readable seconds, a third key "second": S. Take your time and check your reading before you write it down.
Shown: {"hour": 1, "minute": 58, "second": 1}
